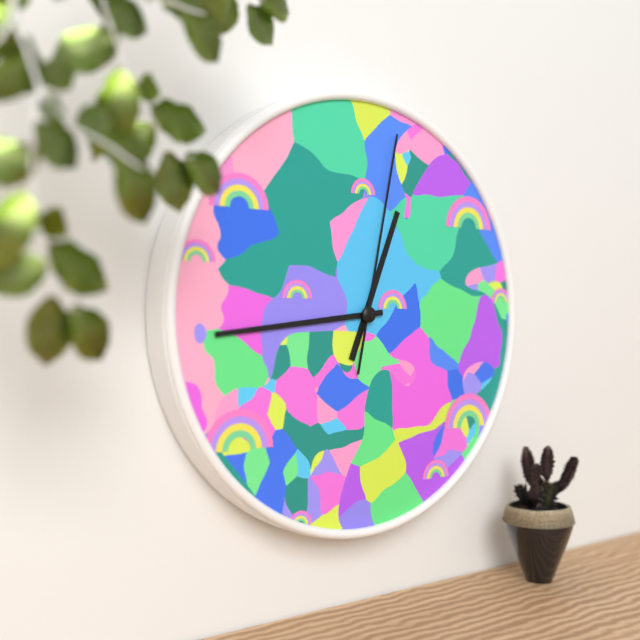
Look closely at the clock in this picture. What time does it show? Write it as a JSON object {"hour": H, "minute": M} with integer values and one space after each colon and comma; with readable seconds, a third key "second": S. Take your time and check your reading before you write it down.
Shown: {"hour": 12, "minute": 44, "second": 2}
